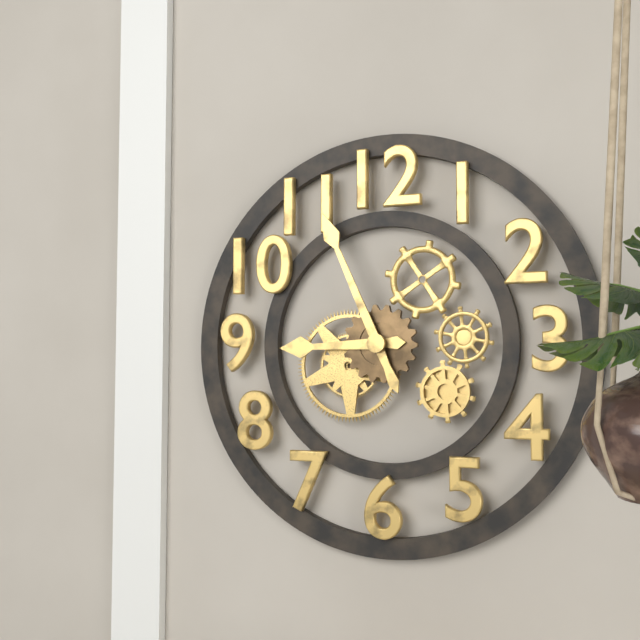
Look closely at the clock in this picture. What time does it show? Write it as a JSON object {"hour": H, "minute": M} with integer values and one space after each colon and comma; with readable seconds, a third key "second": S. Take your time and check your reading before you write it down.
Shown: {"hour": 8, "minute": 56}
